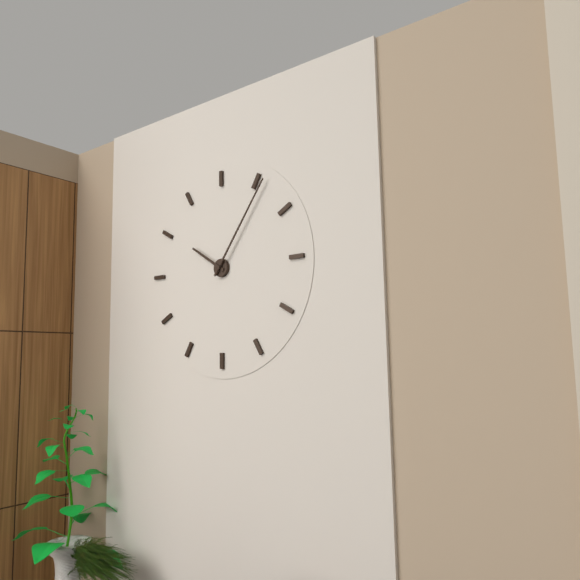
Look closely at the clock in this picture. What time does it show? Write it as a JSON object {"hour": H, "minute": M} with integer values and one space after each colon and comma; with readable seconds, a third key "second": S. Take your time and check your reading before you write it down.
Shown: {"hour": 10, "minute": 6}
